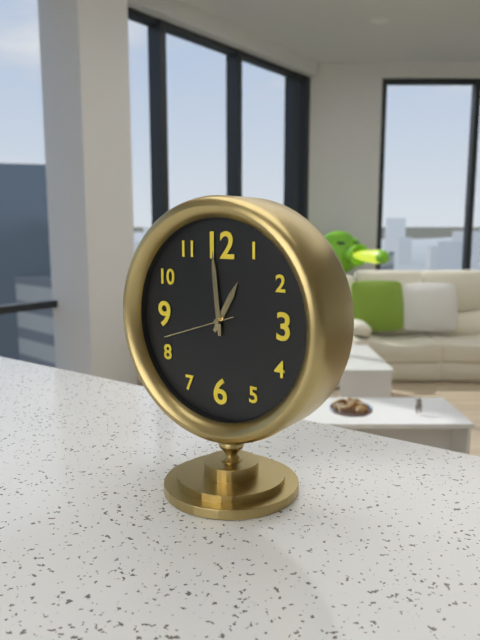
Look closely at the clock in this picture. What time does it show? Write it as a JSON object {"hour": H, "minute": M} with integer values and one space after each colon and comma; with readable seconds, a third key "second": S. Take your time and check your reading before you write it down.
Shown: {"hour": 12, "minute": 59, "second": 42}
